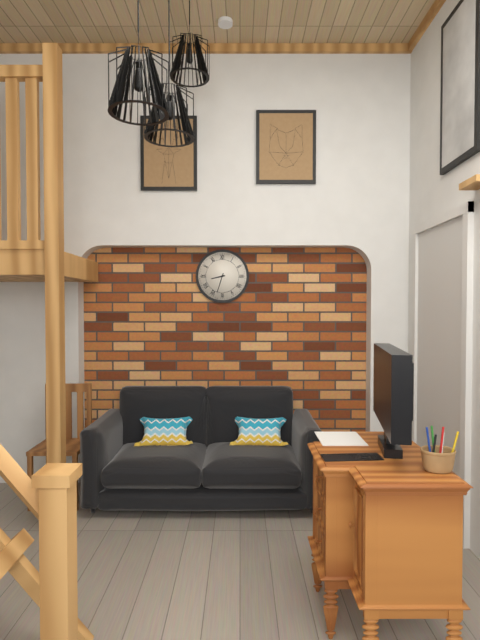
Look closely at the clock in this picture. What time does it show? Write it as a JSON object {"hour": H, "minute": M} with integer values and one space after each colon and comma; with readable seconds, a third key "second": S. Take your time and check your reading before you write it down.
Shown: {"hour": 8, "minute": 33}
